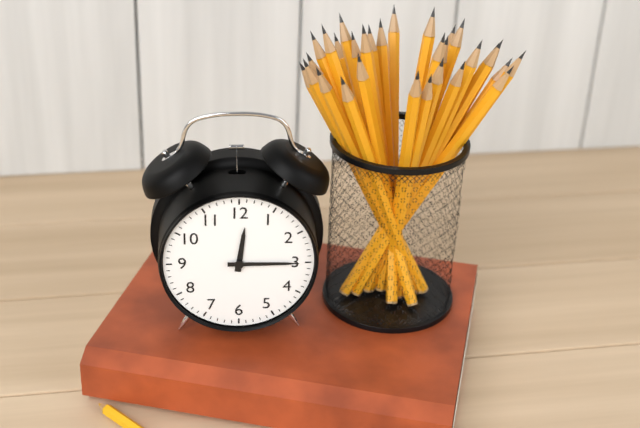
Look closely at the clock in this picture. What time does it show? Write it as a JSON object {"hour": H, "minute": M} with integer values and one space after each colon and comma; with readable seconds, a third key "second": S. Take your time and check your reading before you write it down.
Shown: {"hour": 12, "minute": 15}
